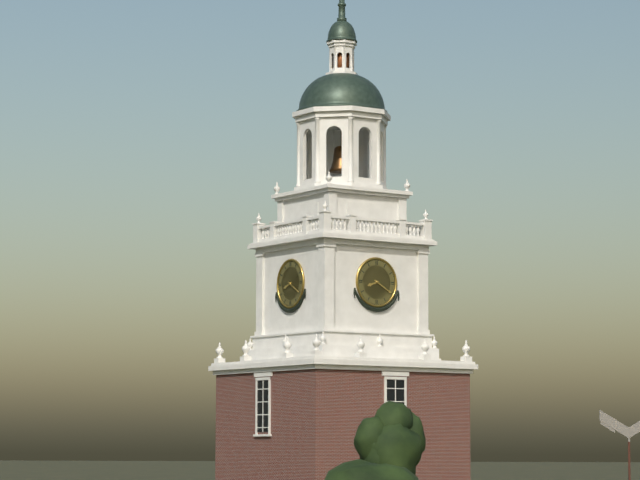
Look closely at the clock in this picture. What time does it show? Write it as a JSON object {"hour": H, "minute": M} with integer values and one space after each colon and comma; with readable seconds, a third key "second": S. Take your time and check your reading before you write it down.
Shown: {"hour": 8, "minute": 20}
